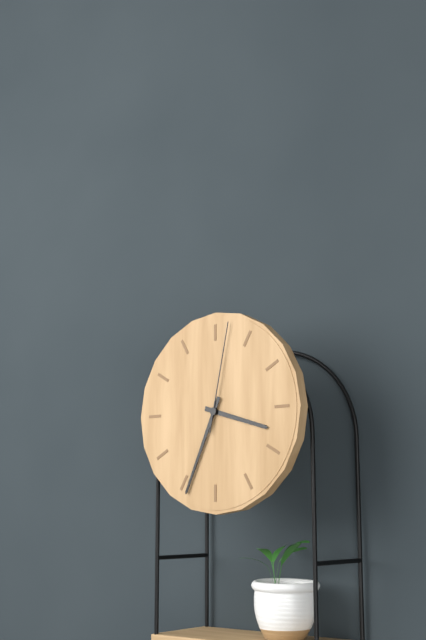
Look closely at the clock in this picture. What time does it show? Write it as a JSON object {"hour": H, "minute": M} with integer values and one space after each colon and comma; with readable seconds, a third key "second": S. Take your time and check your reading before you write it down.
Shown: {"hour": 3, "minute": 34, "second": 2}
